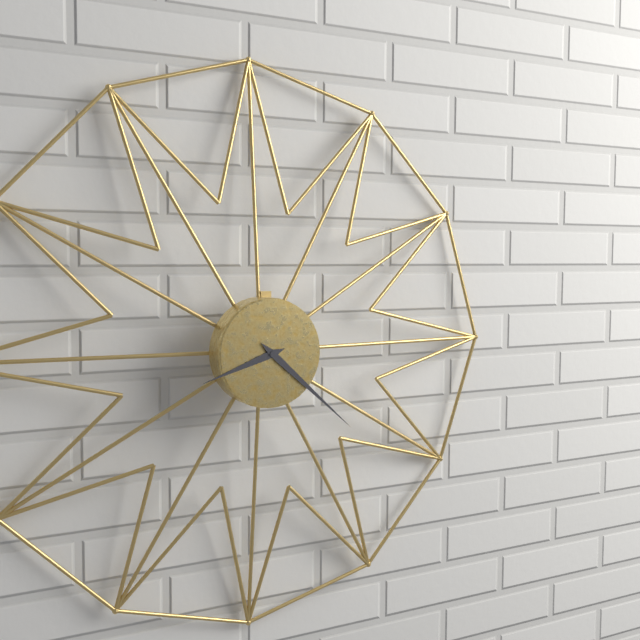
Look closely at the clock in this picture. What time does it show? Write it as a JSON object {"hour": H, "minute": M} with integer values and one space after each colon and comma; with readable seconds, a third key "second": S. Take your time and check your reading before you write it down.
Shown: {"hour": 8, "minute": 22}
